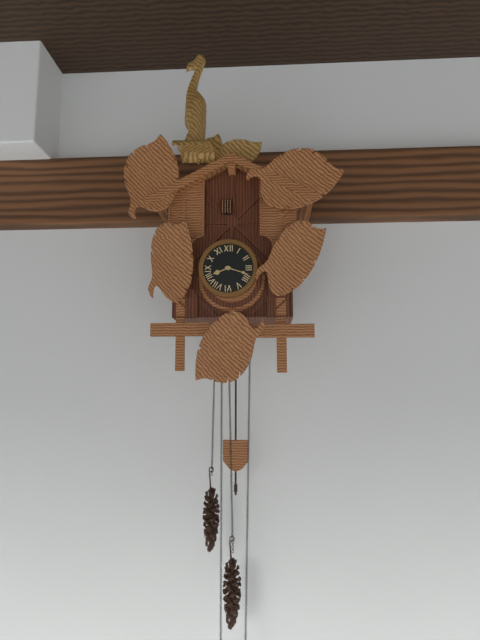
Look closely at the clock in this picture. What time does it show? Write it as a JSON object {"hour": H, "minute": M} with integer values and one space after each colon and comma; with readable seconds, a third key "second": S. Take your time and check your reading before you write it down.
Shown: {"hour": 8, "minute": 18}
